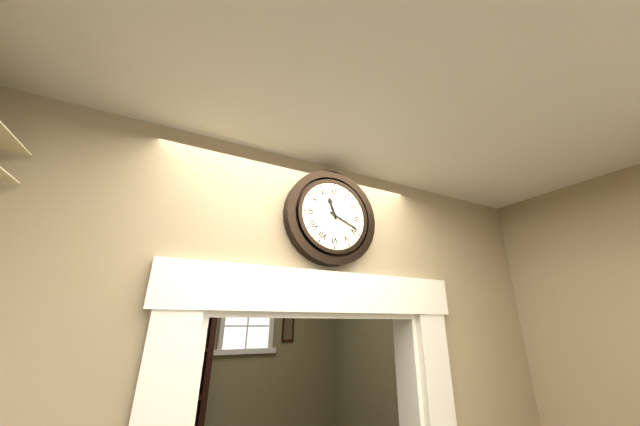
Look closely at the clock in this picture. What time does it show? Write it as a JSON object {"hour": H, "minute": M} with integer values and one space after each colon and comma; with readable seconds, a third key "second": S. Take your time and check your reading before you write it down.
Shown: {"hour": 11, "minute": 19}
